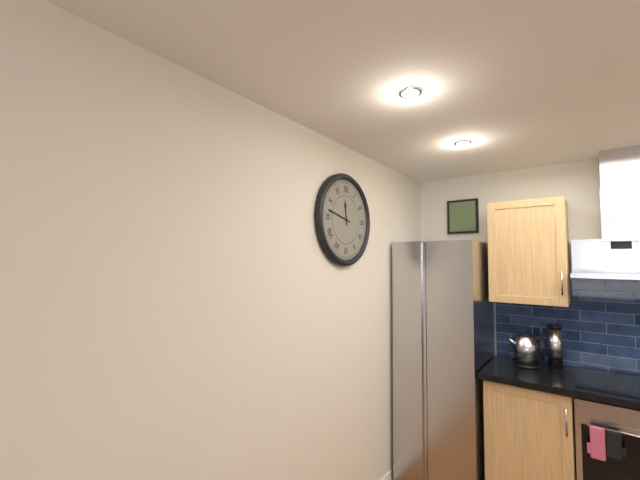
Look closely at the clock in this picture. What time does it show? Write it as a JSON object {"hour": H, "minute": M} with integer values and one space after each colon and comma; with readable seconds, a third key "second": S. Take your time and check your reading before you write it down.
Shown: {"hour": 11, "minute": 47}
